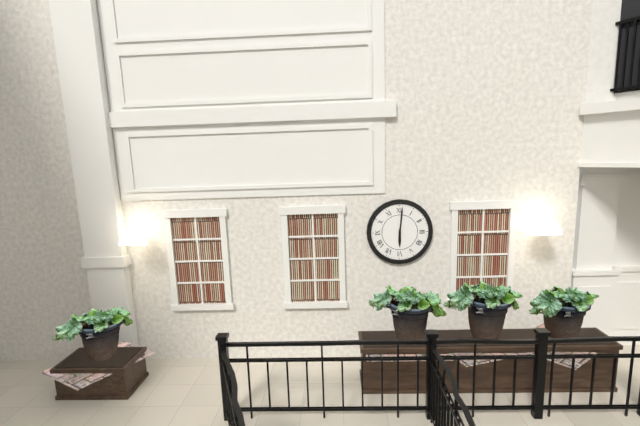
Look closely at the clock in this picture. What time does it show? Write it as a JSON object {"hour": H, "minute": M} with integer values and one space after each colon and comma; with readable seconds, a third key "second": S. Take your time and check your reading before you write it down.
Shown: {"hour": 6, "minute": 1}
